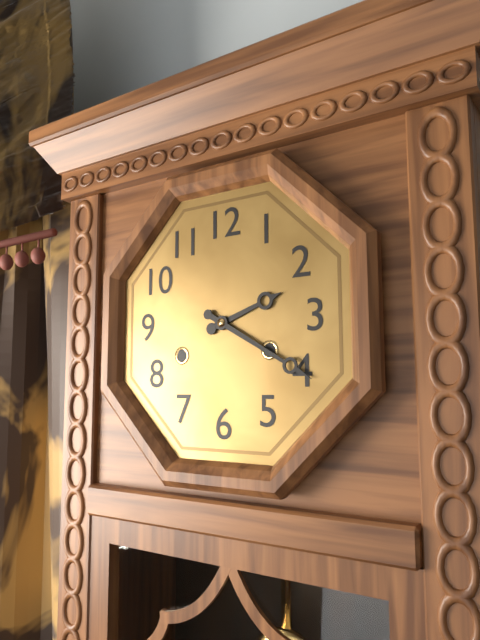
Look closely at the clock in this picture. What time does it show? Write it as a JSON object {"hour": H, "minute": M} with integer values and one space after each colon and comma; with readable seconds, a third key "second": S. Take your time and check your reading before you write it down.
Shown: {"hour": 2, "minute": 20}
